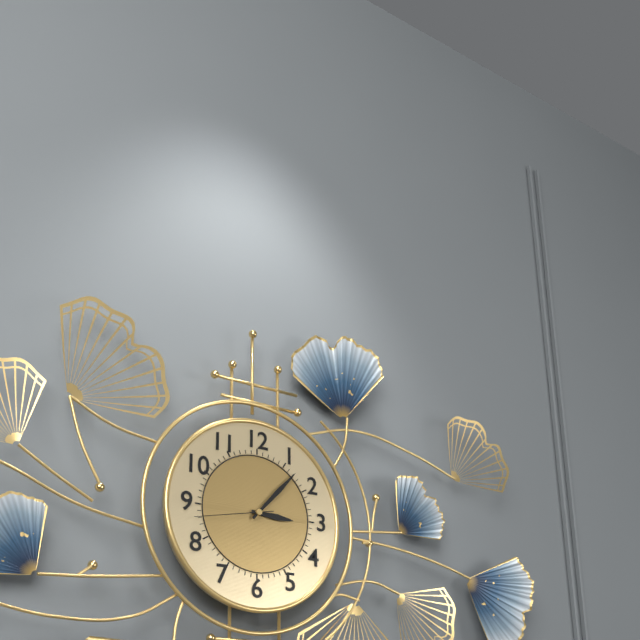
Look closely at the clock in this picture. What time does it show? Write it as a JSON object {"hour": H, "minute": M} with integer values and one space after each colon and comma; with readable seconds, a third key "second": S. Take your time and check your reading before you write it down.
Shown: {"hour": 3, "minute": 7, "second": 43}
